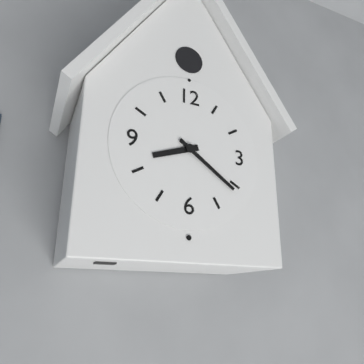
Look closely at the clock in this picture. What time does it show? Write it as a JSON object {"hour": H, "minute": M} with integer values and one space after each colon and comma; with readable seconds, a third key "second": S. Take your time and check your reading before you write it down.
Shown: {"hour": 8, "minute": 21}
